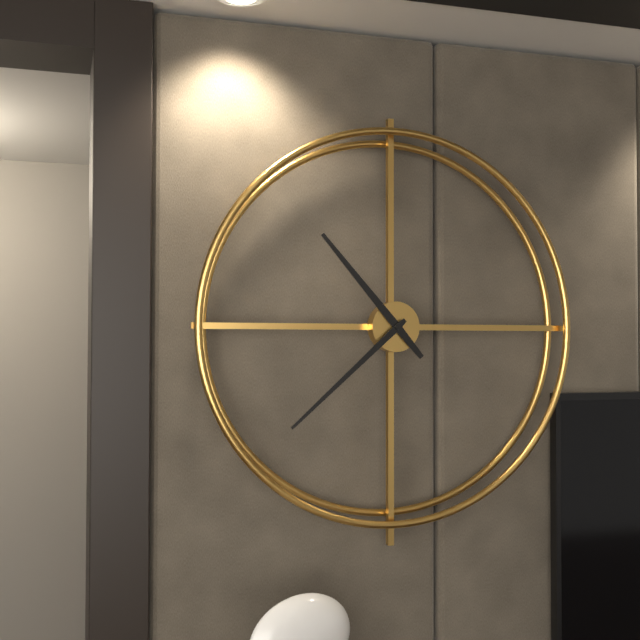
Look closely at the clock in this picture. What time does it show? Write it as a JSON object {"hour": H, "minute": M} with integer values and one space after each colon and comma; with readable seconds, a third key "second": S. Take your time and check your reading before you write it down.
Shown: {"hour": 10, "minute": 38}
